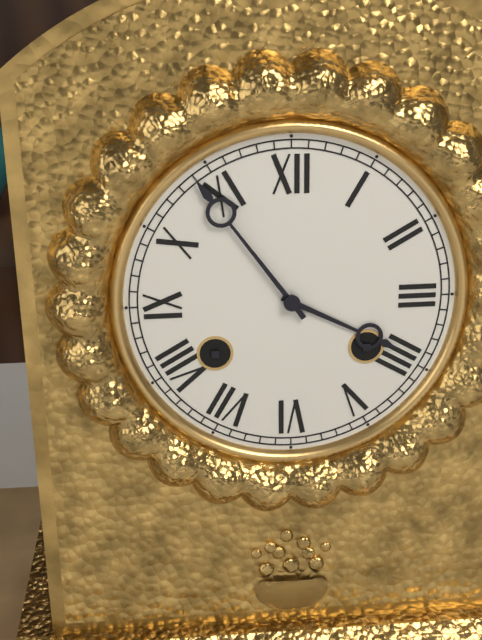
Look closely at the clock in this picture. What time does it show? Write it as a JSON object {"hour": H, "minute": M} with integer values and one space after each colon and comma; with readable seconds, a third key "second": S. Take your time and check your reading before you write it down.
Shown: {"hour": 3, "minute": 54}
